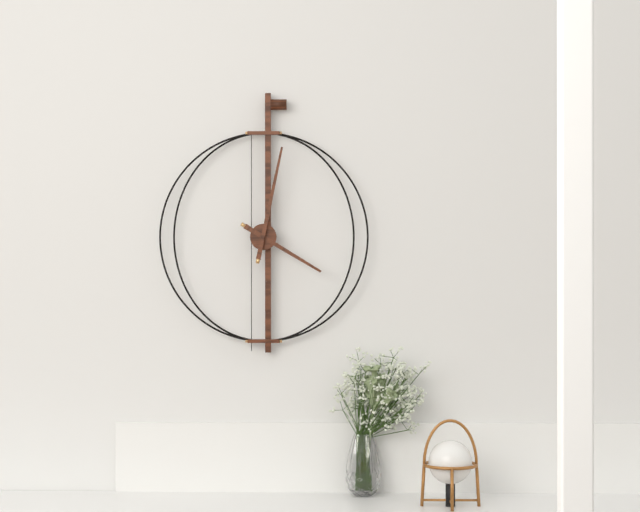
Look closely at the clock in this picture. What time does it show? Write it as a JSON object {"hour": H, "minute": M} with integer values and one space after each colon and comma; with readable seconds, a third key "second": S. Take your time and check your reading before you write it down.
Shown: {"hour": 4, "minute": 2}
